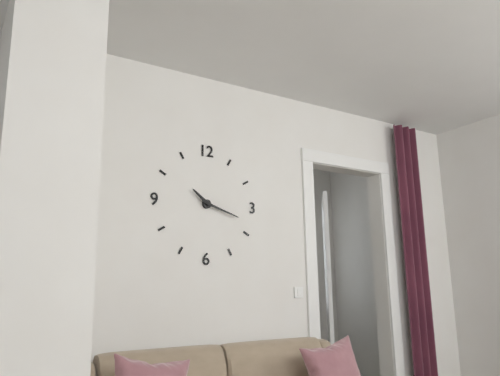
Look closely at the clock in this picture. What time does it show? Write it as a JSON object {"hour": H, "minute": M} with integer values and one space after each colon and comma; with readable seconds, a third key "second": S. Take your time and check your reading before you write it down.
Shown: {"hour": 10, "minute": 18}
